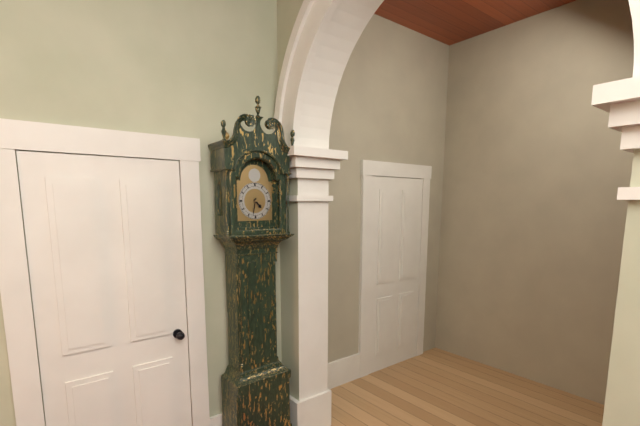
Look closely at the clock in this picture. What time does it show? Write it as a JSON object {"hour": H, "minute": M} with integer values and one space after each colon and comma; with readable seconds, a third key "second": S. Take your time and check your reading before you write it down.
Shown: {"hour": 4, "minute": 32}
